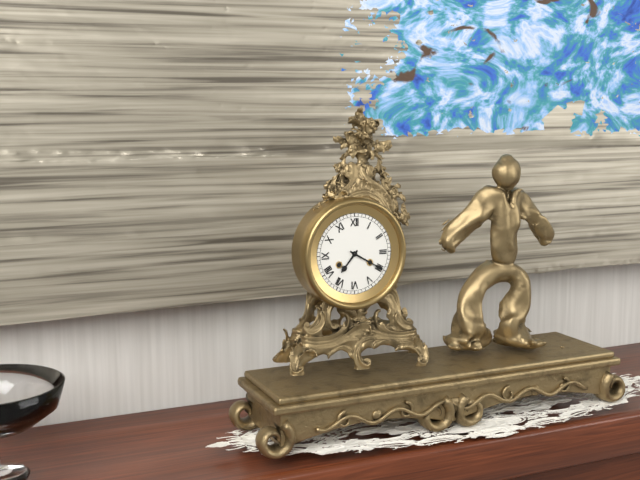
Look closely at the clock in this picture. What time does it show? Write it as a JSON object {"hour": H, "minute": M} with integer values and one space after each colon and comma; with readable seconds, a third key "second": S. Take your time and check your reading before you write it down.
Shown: {"hour": 7, "minute": 20}
